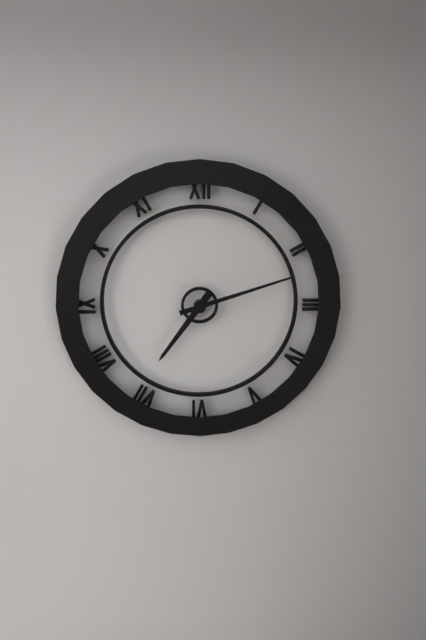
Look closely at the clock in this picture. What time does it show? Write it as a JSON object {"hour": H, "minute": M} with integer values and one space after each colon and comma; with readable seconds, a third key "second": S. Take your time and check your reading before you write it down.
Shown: {"hour": 7, "minute": 12}
